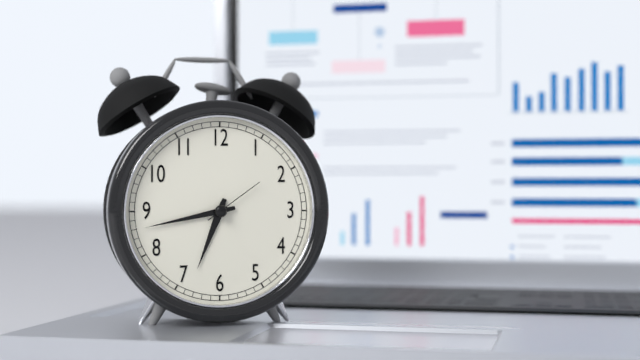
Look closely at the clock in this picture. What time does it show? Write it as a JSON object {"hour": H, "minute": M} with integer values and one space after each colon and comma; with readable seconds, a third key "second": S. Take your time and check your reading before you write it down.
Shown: {"hour": 6, "minute": 43, "second": 9}
